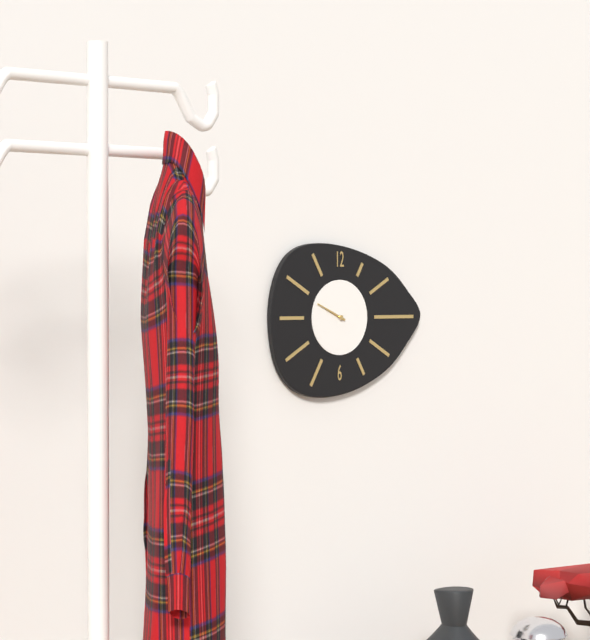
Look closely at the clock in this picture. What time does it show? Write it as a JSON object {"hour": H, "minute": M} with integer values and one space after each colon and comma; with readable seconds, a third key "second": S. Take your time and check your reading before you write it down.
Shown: {"hour": 9, "minute": 49}
